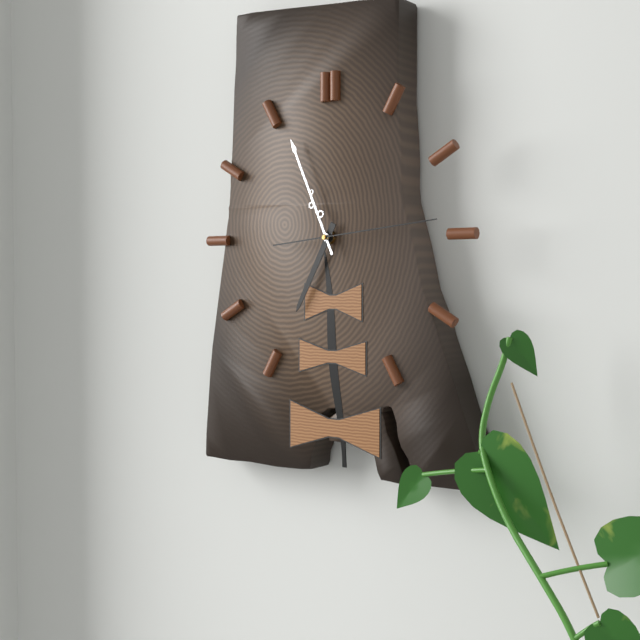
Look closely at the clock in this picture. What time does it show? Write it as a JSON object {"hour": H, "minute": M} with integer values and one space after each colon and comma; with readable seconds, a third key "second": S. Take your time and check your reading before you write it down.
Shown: {"hour": 6, "minute": 56, "second": 14}
